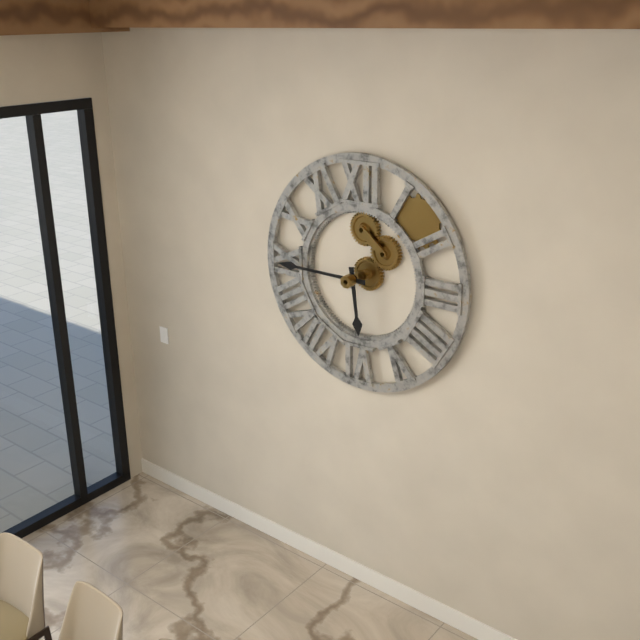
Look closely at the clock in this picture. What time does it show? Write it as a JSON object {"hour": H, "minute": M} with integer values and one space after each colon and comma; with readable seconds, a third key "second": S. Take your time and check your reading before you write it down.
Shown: {"hour": 5, "minute": 45}
